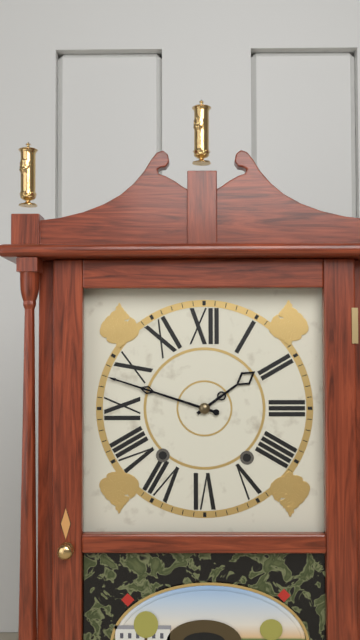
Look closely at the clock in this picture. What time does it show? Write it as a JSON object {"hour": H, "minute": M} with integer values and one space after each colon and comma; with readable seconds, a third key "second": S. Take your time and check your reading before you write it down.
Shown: {"hour": 1, "minute": 48}
